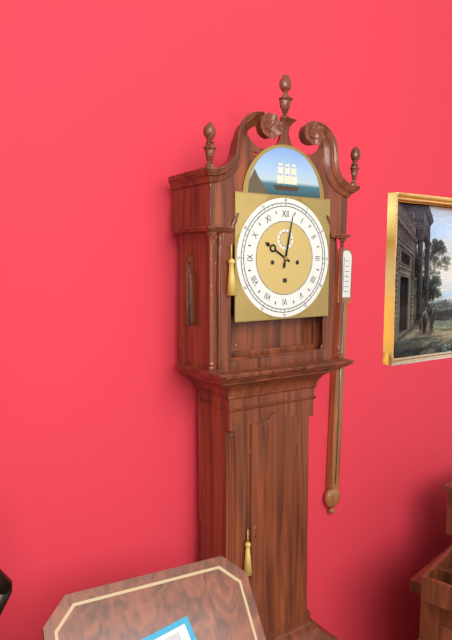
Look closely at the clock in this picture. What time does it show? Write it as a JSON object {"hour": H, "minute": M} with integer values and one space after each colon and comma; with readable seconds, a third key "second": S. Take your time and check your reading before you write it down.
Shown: {"hour": 10, "minute": 2}
